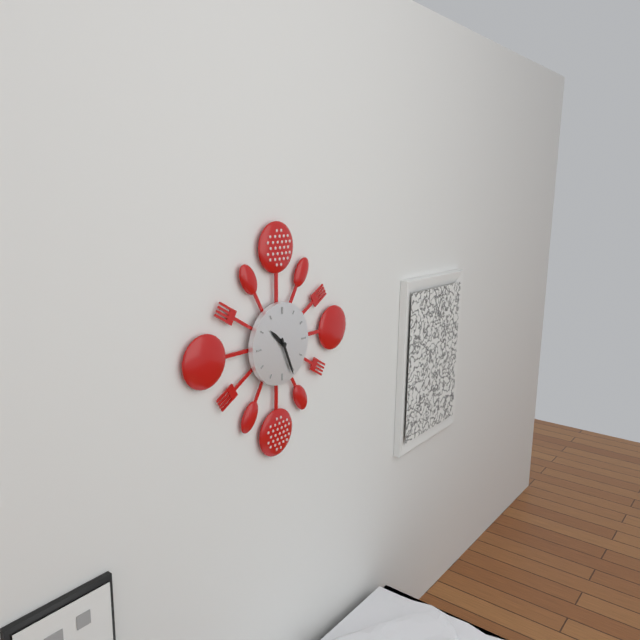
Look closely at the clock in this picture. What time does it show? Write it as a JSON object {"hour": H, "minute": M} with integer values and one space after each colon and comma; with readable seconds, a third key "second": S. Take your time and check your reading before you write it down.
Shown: {"hour": 10, "minute": 26}
